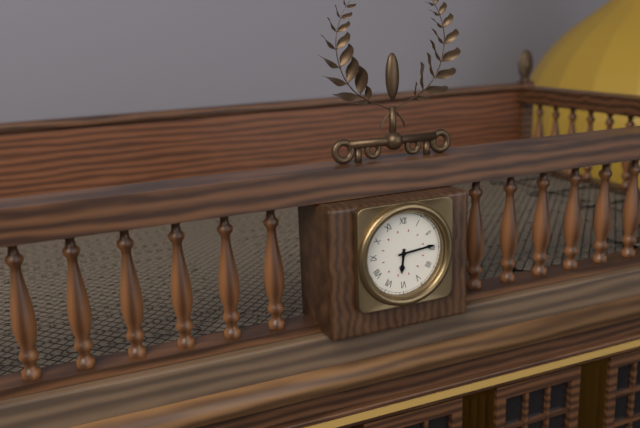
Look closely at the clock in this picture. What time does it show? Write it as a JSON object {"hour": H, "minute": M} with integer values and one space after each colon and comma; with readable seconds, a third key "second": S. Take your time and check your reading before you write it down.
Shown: {"hour": 6, "minute": 14}
